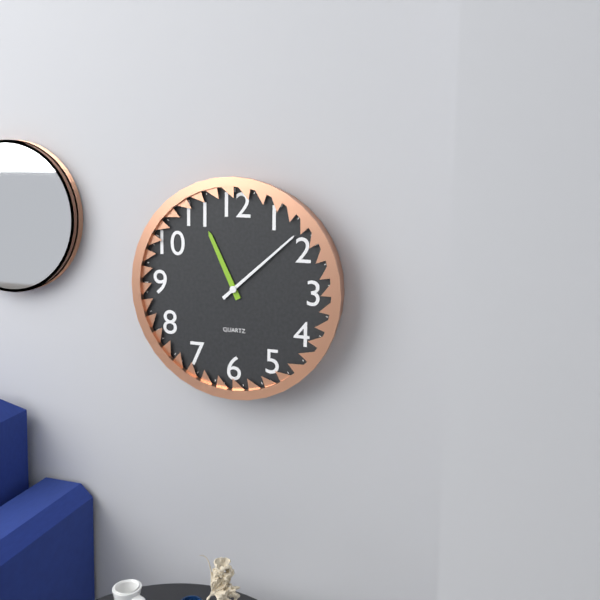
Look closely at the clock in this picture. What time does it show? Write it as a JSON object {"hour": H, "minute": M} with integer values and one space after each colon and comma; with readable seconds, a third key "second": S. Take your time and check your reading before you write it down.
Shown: {"hour": 11, "minute": 8}
